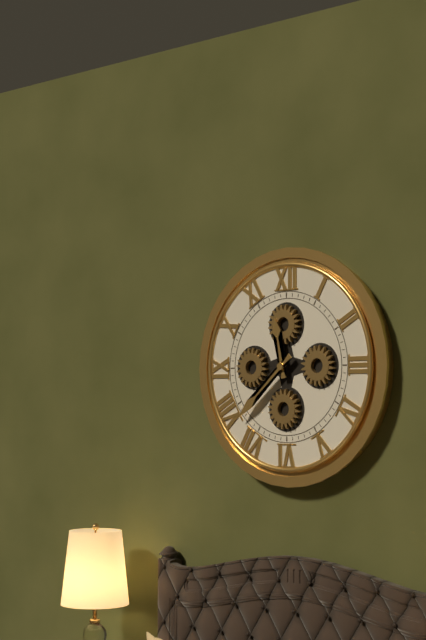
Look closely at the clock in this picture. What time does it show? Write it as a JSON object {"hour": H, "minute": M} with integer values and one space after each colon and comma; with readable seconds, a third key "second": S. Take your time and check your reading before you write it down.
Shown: {"hour": 11, "minute": 38}
